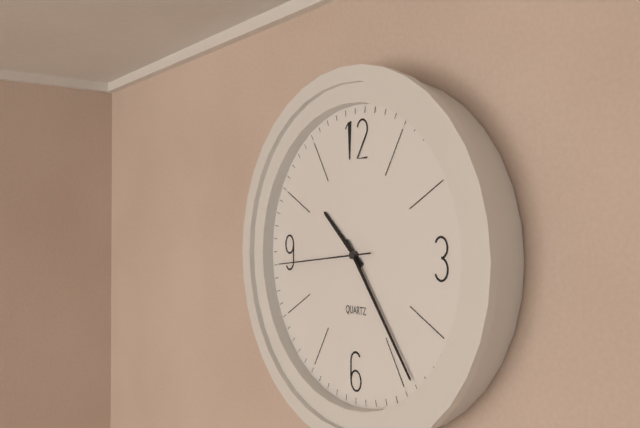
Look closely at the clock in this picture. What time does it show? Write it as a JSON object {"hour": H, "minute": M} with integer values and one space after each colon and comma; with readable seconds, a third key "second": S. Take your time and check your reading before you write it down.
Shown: {"hour": 10, "minute": 24, "second": 44}
